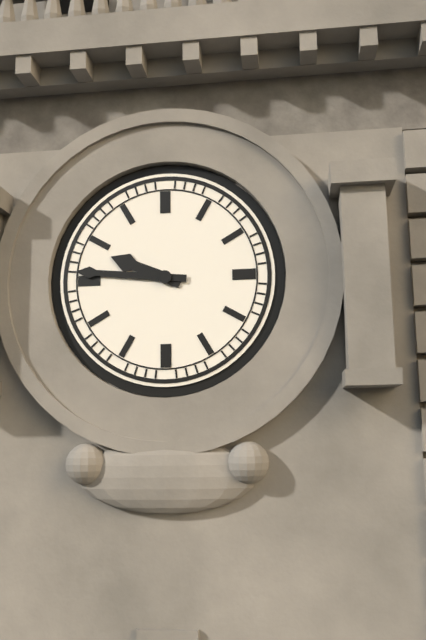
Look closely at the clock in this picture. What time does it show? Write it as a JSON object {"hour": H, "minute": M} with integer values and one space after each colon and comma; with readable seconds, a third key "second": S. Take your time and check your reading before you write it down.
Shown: {"hour": 9, "minute": 46}
